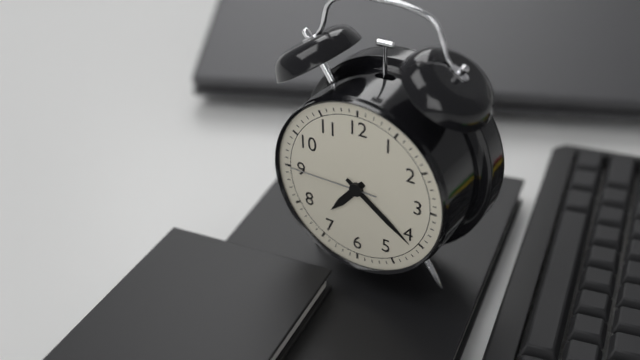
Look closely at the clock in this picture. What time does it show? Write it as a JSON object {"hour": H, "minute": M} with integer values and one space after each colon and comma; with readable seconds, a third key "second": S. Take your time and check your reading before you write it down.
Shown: {"hour": 7, "minute": 21, "second": 45}
